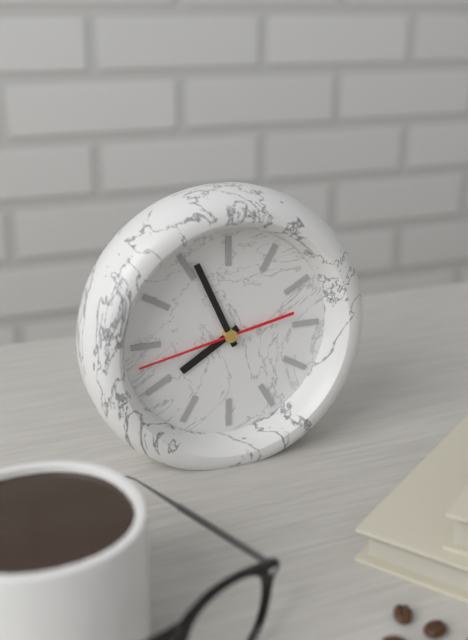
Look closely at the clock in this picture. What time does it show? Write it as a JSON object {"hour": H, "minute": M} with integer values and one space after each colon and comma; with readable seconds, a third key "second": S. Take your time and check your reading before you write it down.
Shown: {"hour": 7, "minute": 56, "second": 43}
